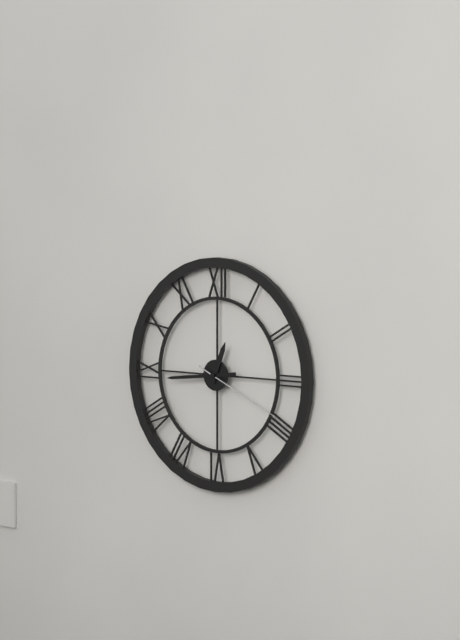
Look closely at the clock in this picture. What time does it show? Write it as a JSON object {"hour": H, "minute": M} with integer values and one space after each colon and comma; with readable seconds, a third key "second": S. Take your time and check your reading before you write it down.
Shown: {"hour": 12, "minute": 44, "second": 19}
